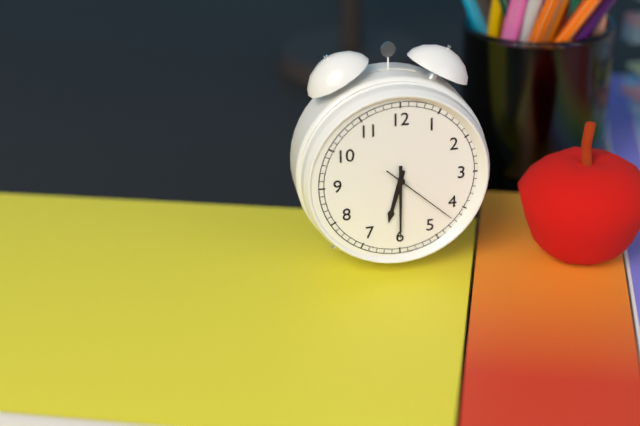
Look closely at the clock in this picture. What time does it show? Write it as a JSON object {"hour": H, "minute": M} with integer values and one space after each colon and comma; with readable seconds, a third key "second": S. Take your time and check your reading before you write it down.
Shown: {"hour": 6, "minute": 30, "second": 22}
